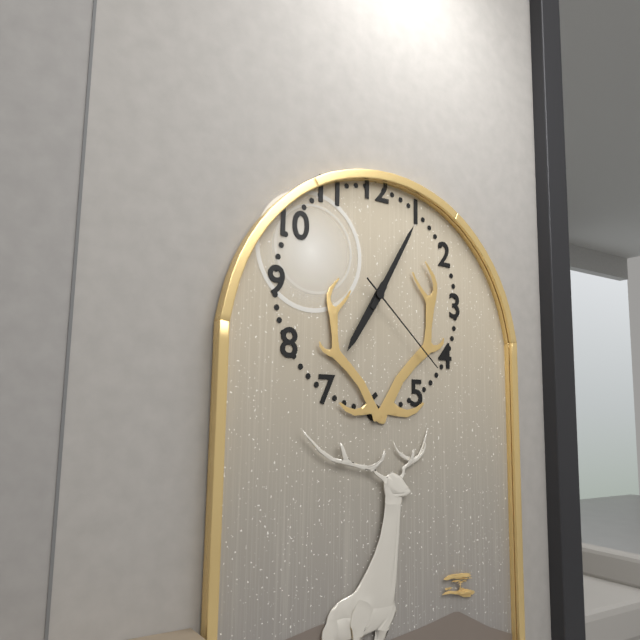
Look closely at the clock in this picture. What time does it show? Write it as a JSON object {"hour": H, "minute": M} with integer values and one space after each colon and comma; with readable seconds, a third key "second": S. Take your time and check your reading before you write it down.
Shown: {"hour": 7, "minute": 5, "second": 22}
